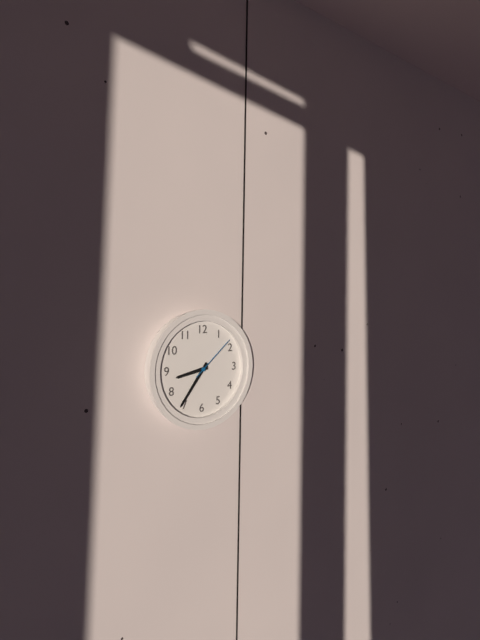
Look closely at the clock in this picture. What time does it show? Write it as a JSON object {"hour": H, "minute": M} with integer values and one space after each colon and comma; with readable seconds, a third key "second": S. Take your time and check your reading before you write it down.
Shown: {"hour": 8, "minute": 36}
